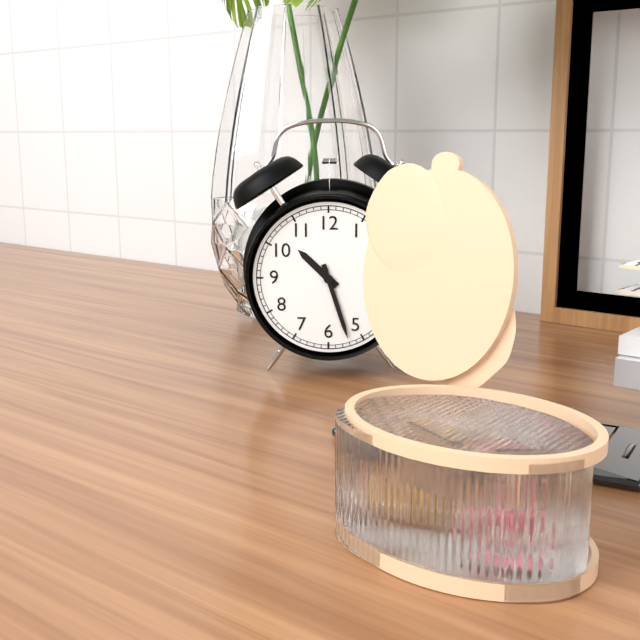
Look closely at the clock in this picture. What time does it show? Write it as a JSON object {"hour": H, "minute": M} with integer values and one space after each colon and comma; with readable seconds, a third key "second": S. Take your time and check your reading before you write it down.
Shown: {"hour": 10, "minute": 27}
